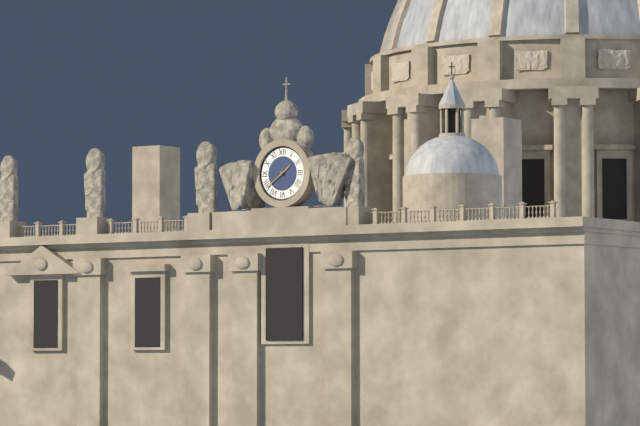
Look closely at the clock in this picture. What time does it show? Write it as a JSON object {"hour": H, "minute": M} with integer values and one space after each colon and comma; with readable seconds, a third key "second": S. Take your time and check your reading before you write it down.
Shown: {"hour": 1, "minute": 39}
